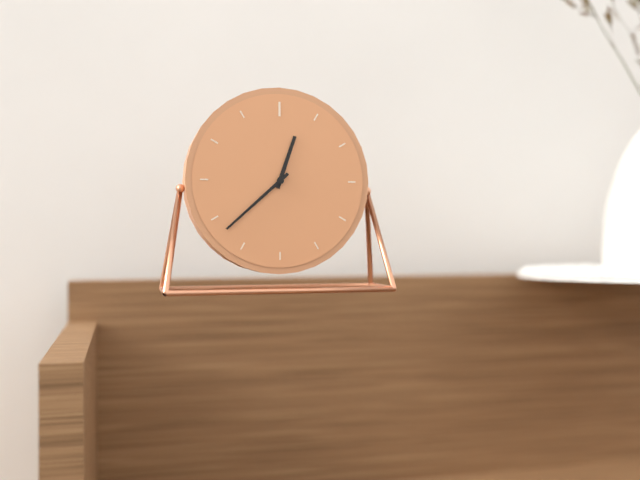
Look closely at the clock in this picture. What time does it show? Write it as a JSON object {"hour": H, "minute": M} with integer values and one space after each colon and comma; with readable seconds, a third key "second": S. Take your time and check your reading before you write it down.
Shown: {"hour": 12, "minute": 38}
